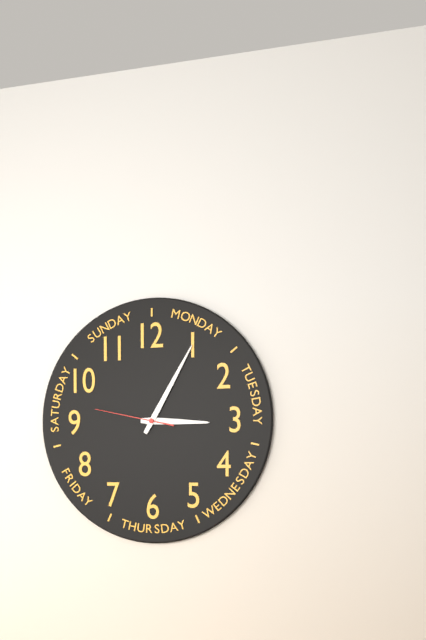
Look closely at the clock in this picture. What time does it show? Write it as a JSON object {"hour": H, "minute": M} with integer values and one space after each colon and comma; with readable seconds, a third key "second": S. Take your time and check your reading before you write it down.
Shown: {"hour": 3, "minute": 5, "second": 47}
